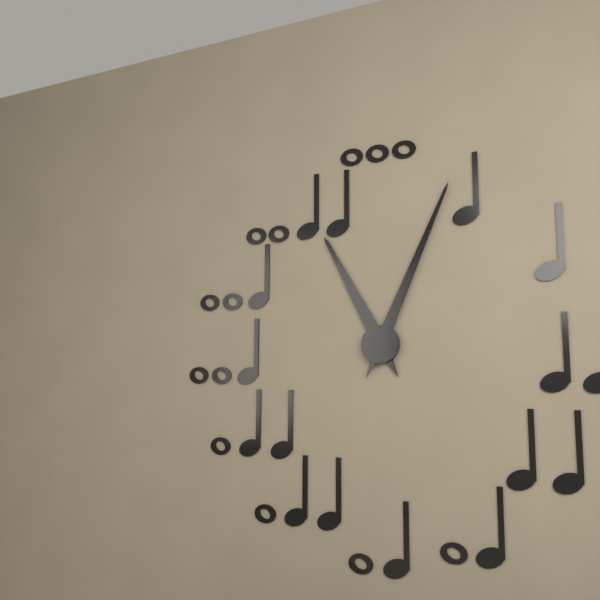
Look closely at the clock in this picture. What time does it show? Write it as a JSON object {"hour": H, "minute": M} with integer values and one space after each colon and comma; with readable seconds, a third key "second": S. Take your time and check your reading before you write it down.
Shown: {"hour": 11, "minute": 4}
